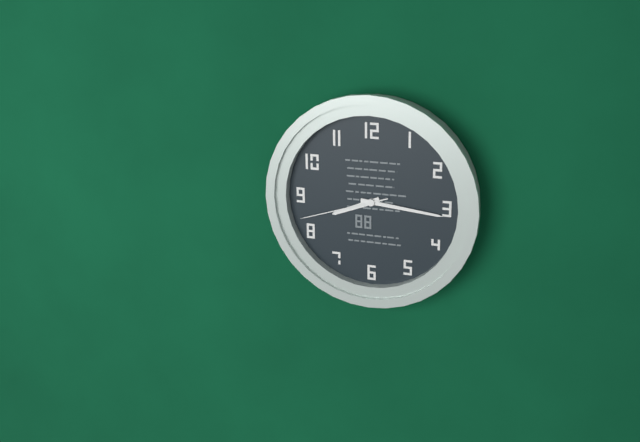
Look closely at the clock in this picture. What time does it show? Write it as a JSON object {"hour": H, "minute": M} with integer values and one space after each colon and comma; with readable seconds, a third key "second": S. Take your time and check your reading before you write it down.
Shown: {"hour": 8, "minute": 16, "second": 42}
